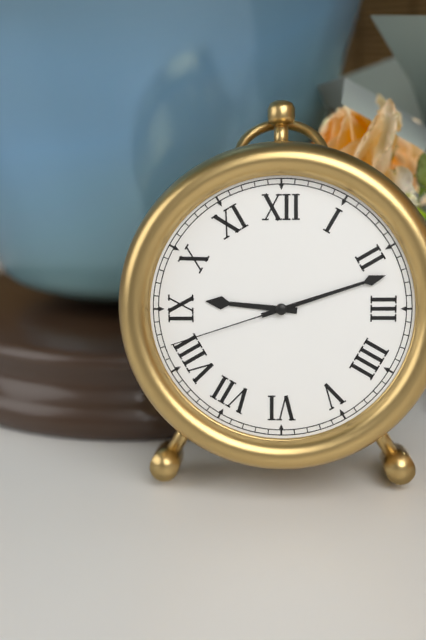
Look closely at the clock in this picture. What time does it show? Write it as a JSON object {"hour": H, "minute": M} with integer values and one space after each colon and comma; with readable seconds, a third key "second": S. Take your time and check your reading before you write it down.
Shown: {"hour": 9, "minute": 12, "second": 42}
